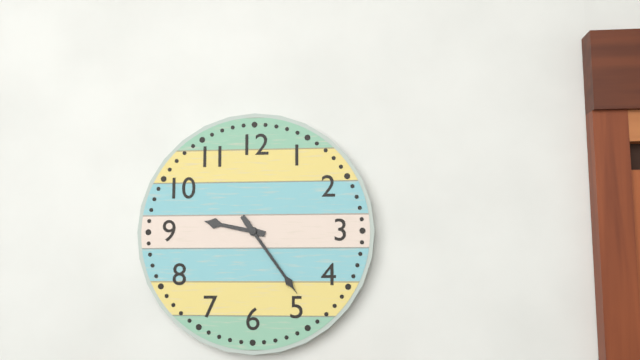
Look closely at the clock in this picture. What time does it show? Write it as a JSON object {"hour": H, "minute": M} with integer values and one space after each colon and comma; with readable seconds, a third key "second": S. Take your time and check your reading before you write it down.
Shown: {"hour": 9, "minute": 24}
